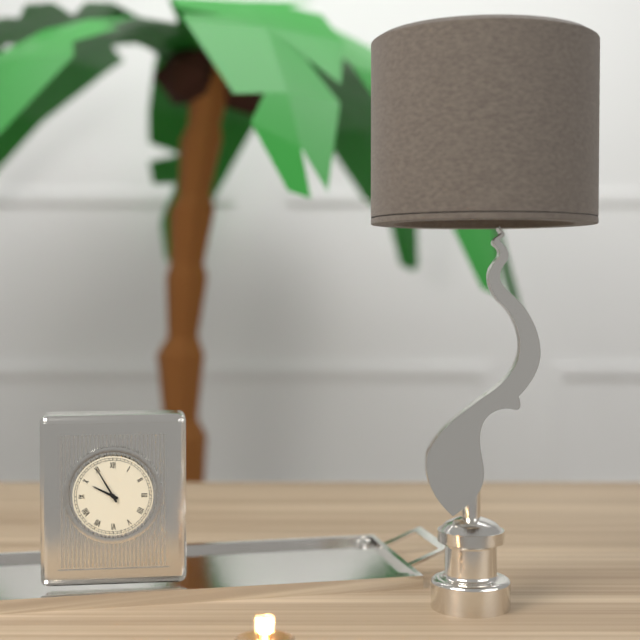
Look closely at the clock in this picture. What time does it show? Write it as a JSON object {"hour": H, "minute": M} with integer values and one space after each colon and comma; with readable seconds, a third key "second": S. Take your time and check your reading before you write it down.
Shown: {"hour": 9, "minute": 55}
